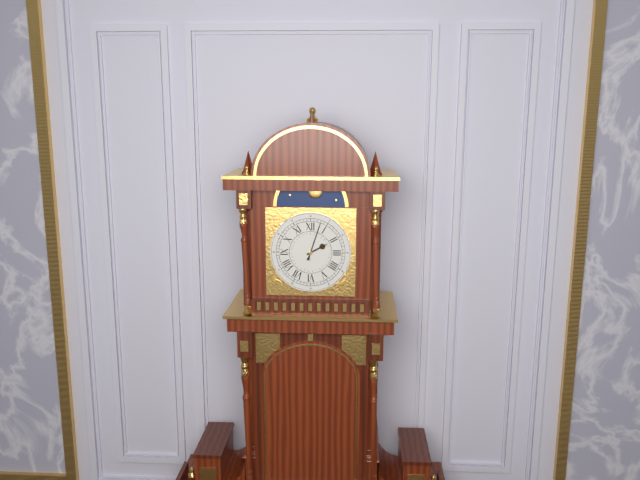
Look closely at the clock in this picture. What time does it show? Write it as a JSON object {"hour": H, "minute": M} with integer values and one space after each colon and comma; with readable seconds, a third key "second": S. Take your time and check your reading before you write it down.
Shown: {"hour": 2, "minute": 3}
